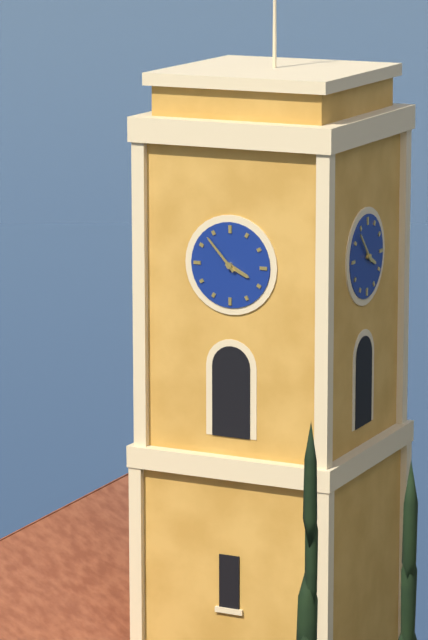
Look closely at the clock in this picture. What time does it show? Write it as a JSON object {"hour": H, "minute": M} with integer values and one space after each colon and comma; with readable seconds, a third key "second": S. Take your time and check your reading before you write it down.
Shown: {"hour": 3, "minute": 53}
